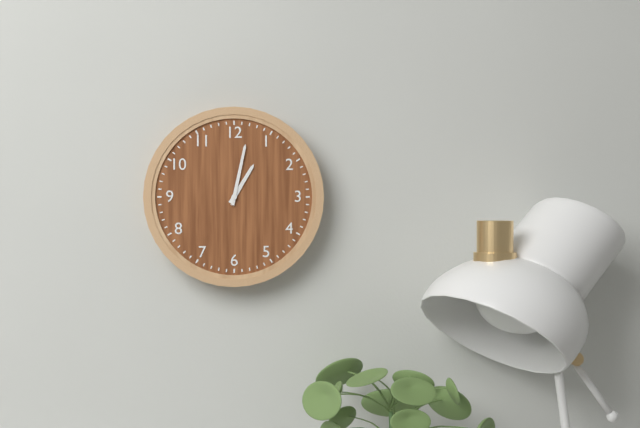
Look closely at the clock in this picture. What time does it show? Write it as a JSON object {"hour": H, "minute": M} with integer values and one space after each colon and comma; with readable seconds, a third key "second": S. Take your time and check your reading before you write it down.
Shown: {"hour": 1, "minute": 2}
